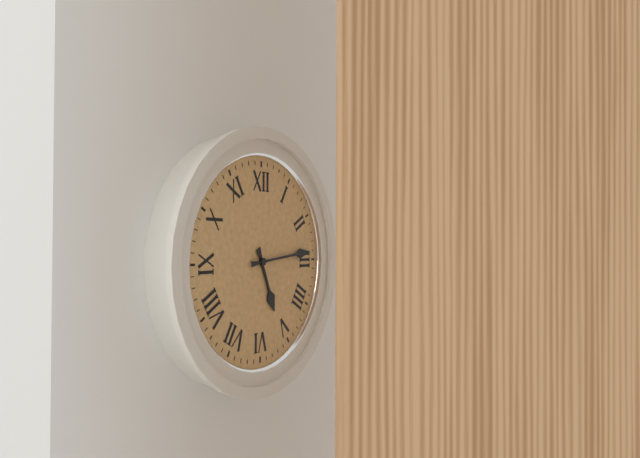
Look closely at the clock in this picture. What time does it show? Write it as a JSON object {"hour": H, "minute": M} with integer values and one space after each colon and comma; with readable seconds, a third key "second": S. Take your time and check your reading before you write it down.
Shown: {"hour": 5, "minute": 14}
